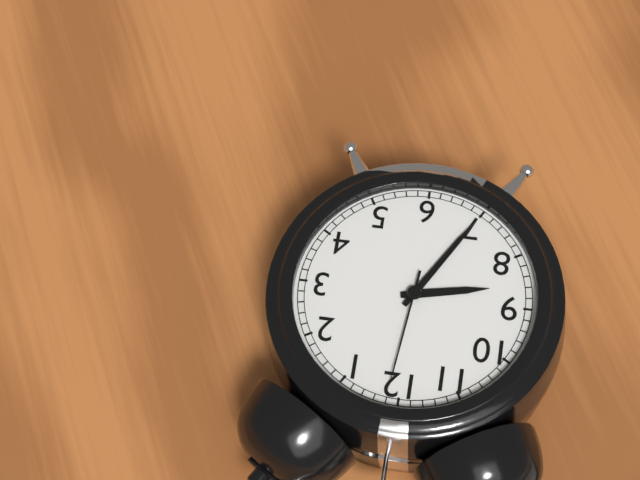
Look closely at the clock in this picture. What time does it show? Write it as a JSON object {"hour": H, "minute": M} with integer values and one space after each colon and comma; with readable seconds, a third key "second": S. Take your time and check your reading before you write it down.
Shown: {"hour": 8, "minute": 35, "second": 1}
